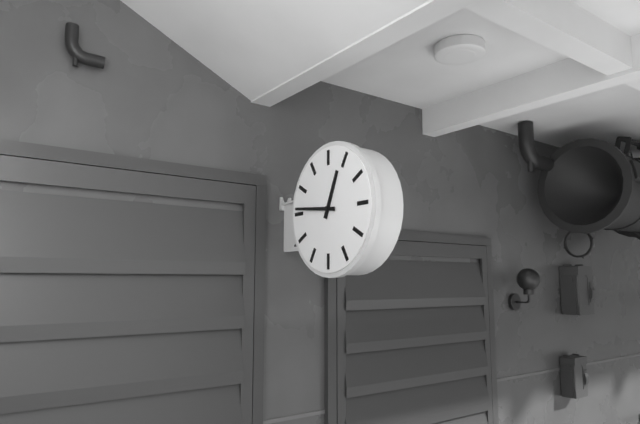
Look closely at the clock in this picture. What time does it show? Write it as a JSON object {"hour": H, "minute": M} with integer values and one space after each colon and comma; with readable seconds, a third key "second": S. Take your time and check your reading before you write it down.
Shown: {"hour": 12, "minute": 46}
